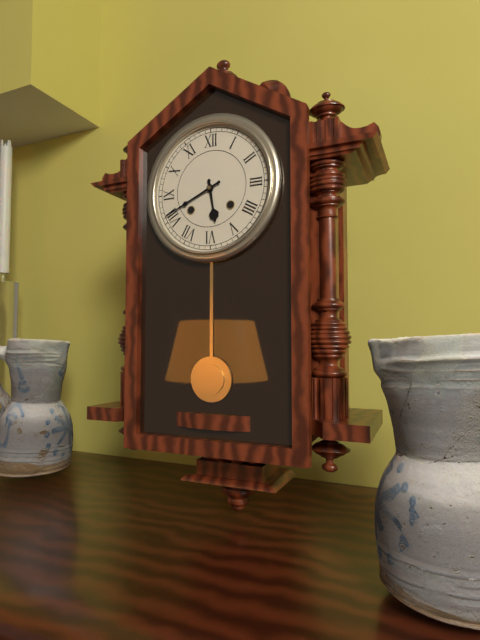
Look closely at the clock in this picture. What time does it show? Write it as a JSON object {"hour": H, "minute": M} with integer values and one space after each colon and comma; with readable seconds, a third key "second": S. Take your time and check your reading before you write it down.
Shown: {"hour": 5, "minute": 41}
